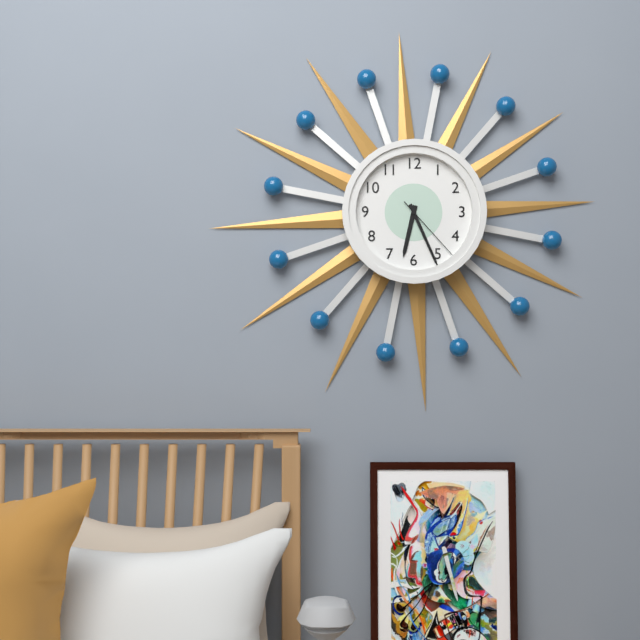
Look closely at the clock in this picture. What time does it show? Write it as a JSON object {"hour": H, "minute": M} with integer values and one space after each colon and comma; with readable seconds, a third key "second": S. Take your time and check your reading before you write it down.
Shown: {"hour": 6, "minute": 26, "second": 23}
